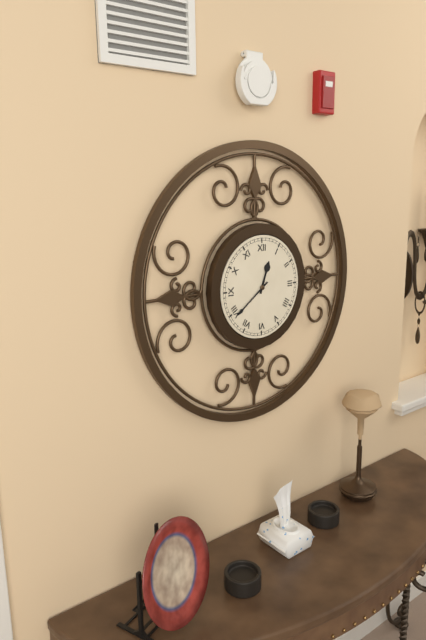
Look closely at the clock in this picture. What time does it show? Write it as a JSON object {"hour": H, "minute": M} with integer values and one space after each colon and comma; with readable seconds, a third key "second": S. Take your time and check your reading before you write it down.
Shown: {"hour": 12, "minute": 39}
